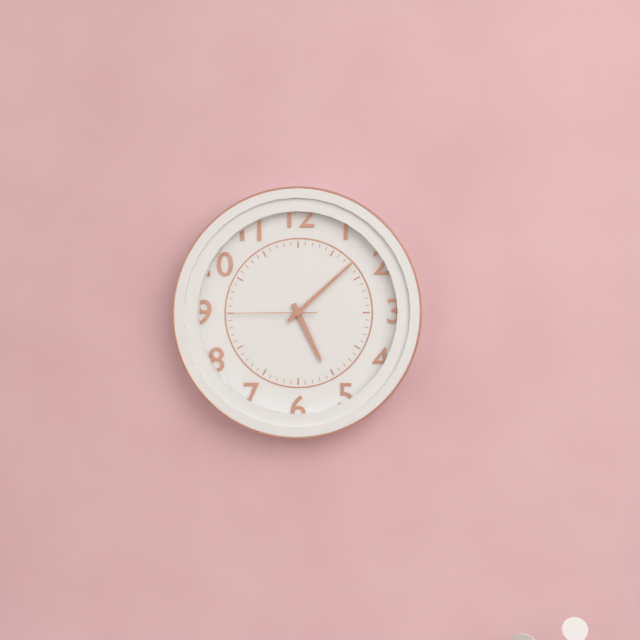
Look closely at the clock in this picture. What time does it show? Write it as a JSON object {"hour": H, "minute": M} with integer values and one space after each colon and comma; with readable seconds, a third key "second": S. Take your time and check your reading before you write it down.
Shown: {"hour": 5, "minute": 8, "second": 45}
